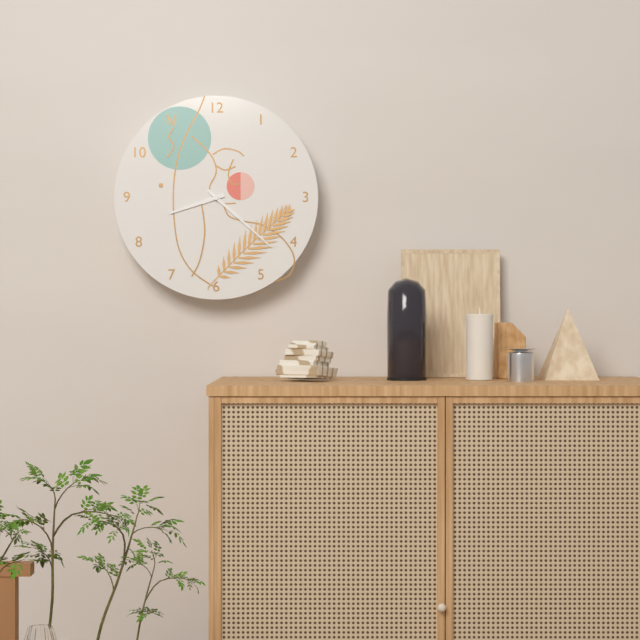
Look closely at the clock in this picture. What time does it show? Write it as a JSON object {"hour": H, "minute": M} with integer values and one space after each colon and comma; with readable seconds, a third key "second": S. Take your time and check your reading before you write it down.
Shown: {"hour": 8, "minute": 22}
